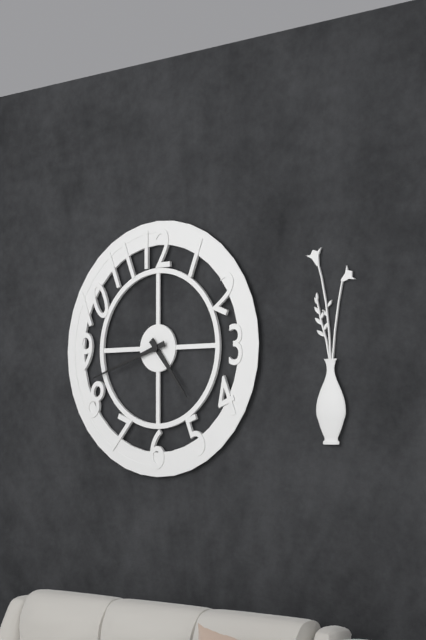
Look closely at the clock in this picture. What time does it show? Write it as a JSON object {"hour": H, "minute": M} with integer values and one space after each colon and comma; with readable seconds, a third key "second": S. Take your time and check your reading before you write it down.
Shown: {"hour": 4, "minute": 42}
